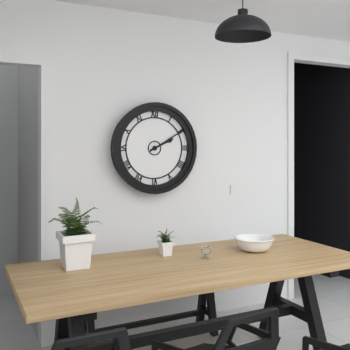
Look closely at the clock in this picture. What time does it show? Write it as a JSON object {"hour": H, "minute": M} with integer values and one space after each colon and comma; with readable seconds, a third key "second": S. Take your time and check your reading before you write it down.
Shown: {"hour": 2, "minute": 10}
